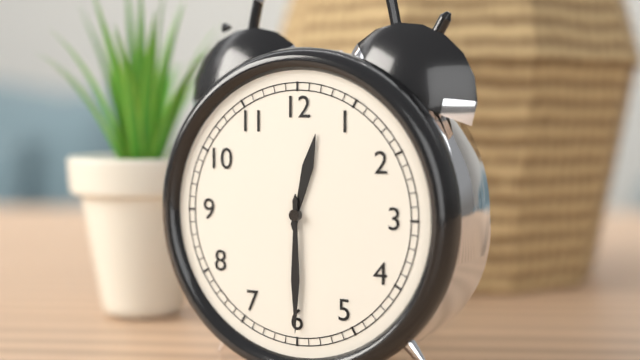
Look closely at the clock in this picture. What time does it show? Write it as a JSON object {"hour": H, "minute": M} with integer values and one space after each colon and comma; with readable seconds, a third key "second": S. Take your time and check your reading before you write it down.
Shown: {"hour": 12, "minute": 30}
